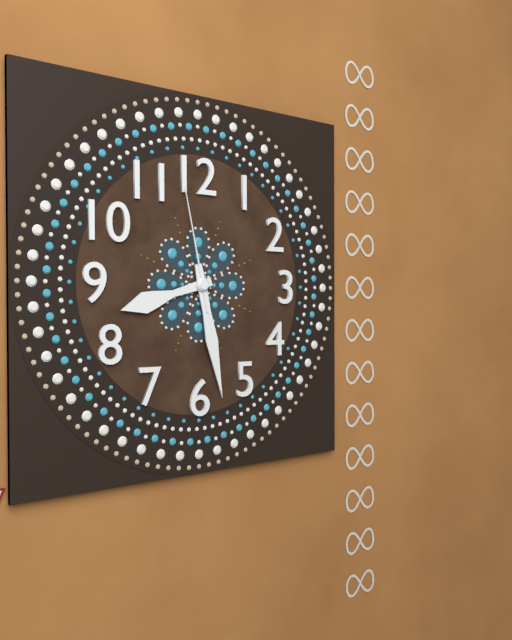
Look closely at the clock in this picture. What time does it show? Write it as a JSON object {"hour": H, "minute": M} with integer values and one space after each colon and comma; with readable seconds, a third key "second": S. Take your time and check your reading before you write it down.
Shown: {"hour": 8, "minute": 28, "second": 58}
